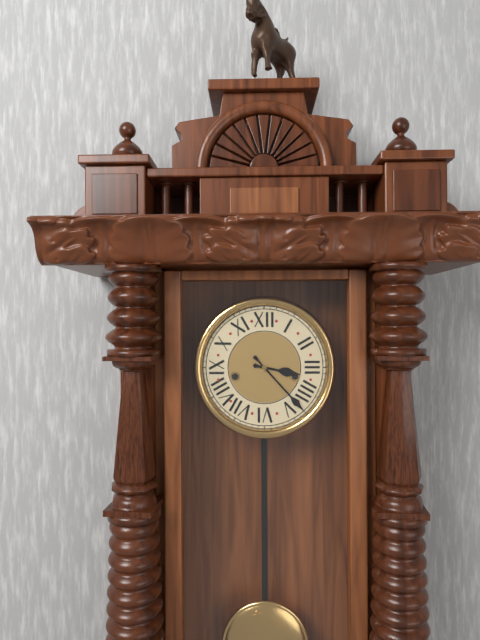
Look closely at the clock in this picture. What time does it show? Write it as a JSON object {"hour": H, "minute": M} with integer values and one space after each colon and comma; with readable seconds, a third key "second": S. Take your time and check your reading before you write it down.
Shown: {"hour": 3, "minute": 23}
